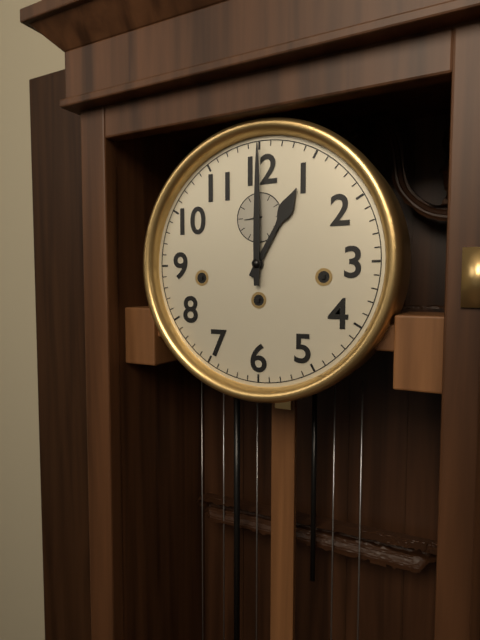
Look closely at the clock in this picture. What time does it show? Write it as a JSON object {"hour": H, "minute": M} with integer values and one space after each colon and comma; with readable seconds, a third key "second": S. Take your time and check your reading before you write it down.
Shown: {"hour": 1, "minute": 0}
